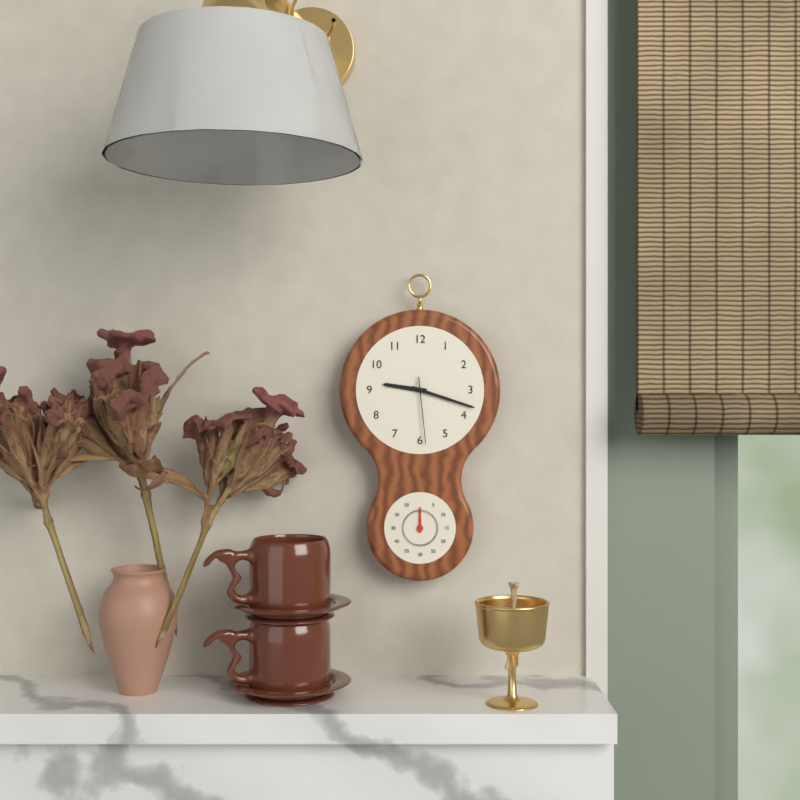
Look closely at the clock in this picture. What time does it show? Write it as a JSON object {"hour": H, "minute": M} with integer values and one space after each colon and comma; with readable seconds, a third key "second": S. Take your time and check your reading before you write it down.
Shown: {"hour": 9, "minute": 18, "second": 29}
